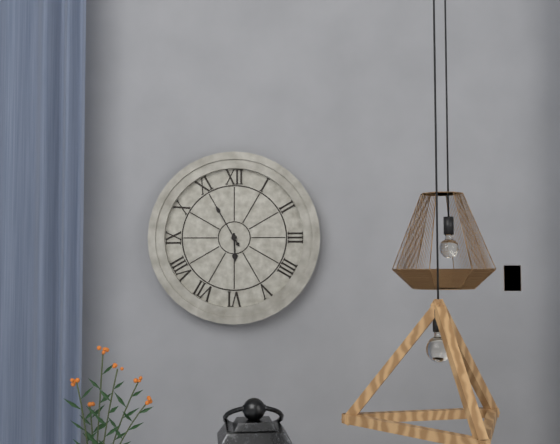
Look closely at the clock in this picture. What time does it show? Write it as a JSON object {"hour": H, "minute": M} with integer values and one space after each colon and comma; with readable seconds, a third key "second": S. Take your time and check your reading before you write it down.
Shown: {"hour": 5, "minute": 55}
